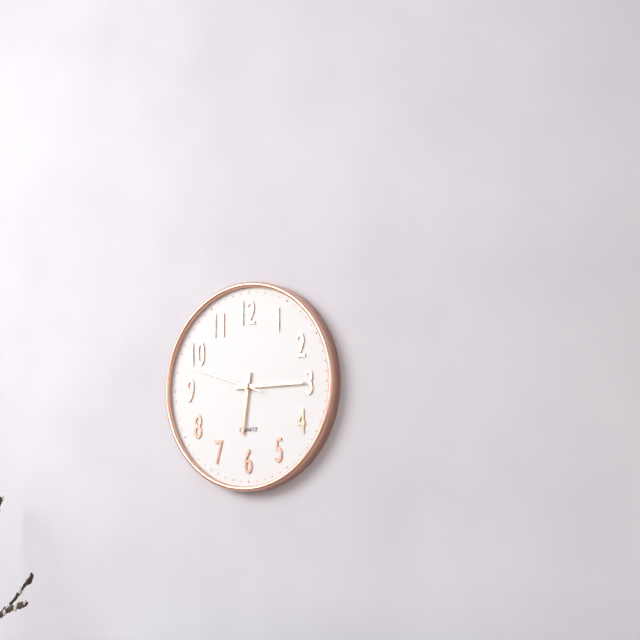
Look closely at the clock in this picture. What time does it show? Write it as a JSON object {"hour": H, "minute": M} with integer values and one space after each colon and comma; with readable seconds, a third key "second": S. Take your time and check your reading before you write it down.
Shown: {"hour": 6, "minute": 15, "second": 48}
